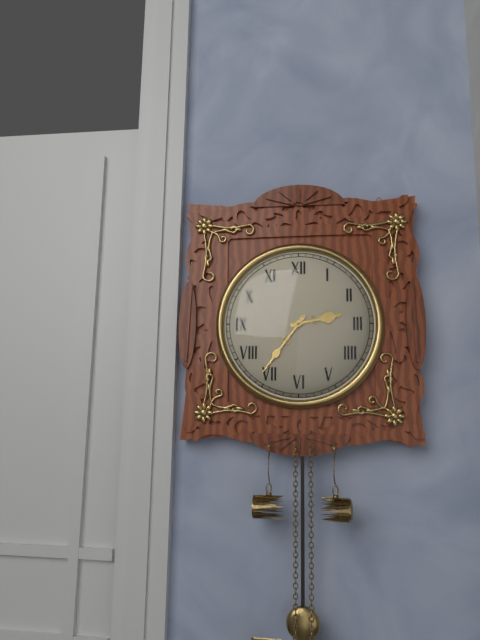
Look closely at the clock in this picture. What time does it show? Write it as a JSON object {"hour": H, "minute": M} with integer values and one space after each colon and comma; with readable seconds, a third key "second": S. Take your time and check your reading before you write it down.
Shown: {"hour": 2, "minute": 36}
